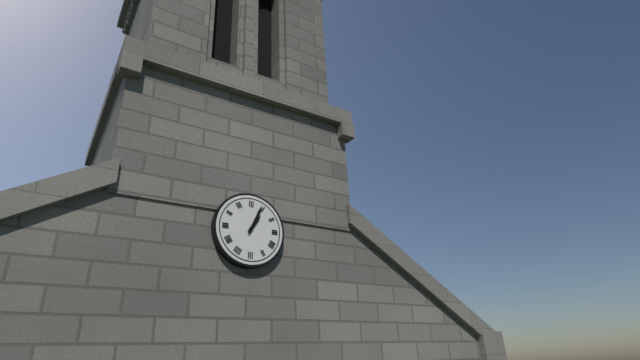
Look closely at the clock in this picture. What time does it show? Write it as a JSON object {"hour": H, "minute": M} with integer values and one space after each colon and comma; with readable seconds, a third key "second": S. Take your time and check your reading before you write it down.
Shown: {"hour": 1, "minute": 4}
